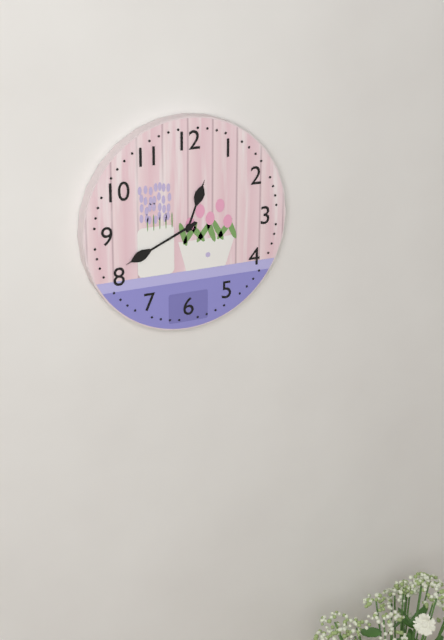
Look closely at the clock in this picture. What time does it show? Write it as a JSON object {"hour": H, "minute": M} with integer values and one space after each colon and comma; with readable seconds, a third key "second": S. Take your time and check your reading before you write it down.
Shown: {"hour": 12, "minute": 41}
